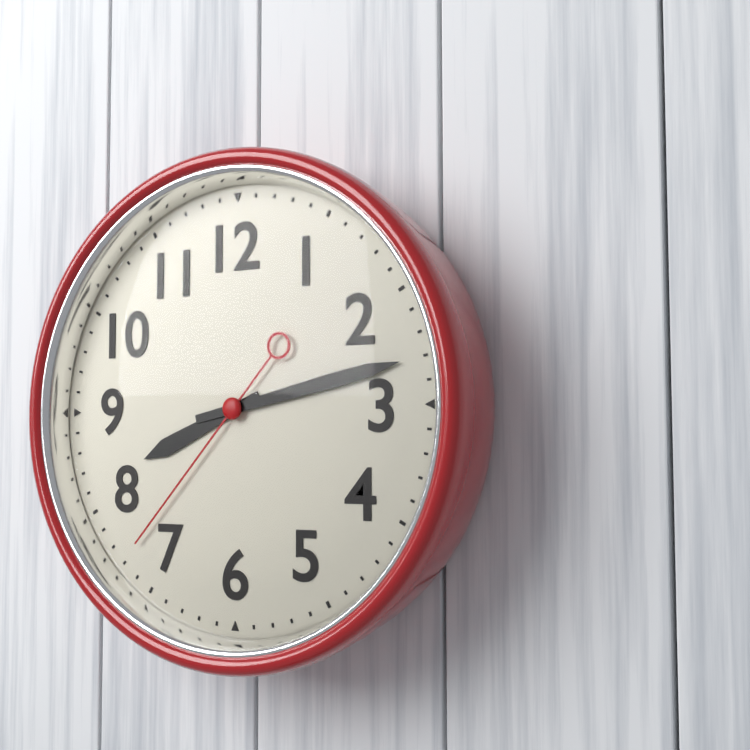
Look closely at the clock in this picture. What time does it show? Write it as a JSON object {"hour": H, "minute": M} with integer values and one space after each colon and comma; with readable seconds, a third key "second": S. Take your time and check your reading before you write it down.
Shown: {"hour": 8, "minute": 13, "second": 37}
